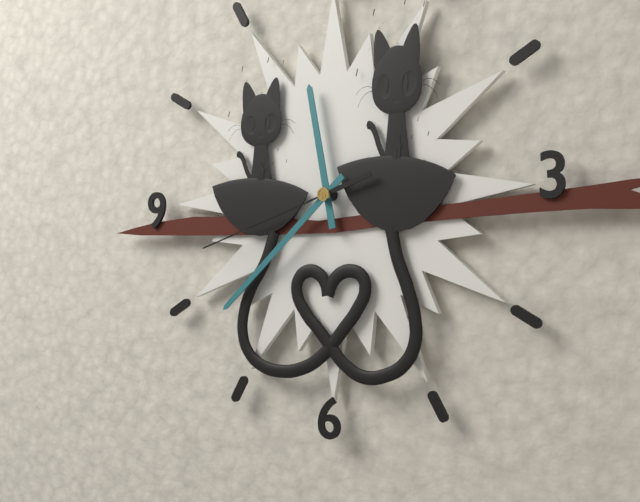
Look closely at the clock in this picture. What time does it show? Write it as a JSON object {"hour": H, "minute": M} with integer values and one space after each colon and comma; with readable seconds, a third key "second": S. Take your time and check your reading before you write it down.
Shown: {"hour": 11, "minute": 38, "second": 42}
